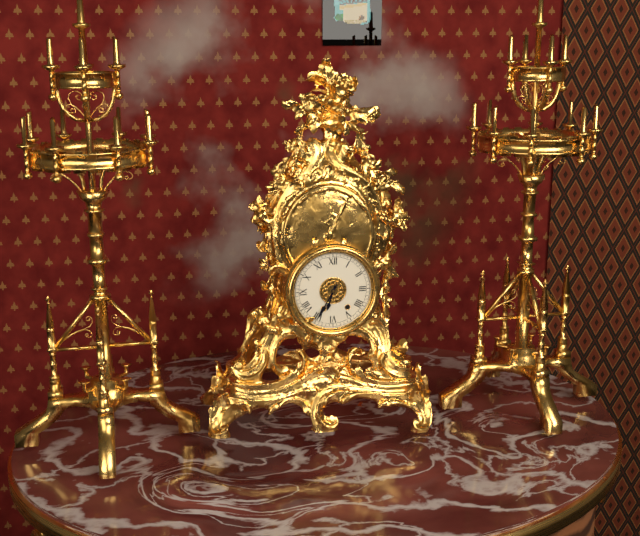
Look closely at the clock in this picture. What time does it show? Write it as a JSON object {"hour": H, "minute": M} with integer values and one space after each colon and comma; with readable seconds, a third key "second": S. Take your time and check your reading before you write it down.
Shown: {"hour": 6, "minute": 35}
